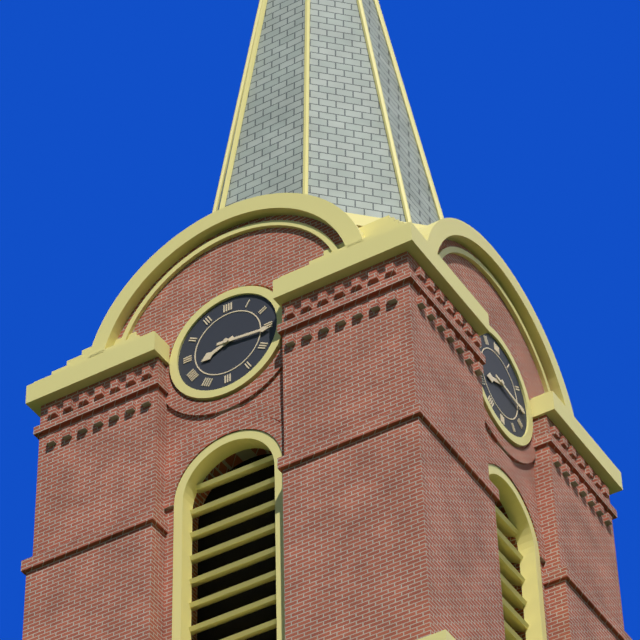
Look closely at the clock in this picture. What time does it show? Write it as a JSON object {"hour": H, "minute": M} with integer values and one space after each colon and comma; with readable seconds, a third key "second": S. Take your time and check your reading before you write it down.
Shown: {"hour": 8, "minute": 16}
